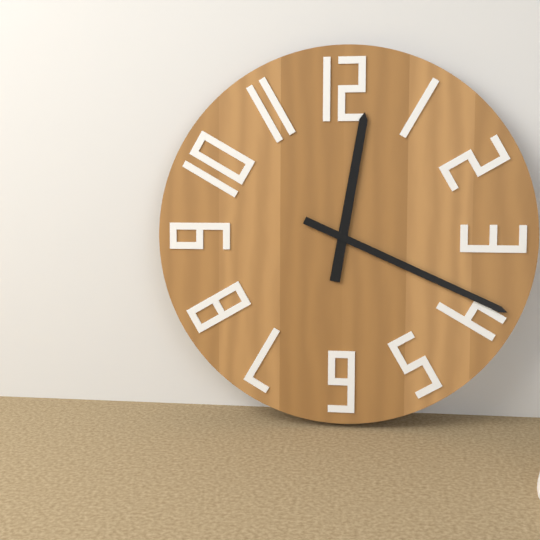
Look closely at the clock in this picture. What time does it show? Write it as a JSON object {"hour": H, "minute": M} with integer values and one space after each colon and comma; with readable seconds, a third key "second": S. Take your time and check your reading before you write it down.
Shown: {"hour": 12, "minute": 19}
